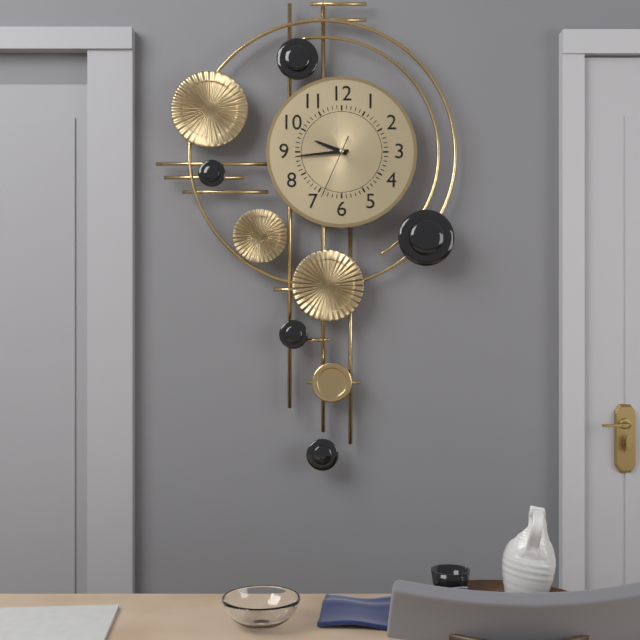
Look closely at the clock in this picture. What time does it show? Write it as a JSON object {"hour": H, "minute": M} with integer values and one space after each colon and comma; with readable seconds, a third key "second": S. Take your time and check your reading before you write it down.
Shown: {"hour": 9, "minute": 44, "second": 34}
